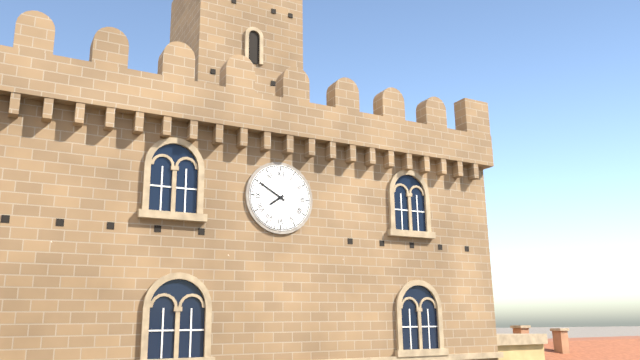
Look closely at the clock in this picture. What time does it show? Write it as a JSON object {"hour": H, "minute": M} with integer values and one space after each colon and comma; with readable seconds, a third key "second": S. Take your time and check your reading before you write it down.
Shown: {"hour": 7, "minute": 50}
